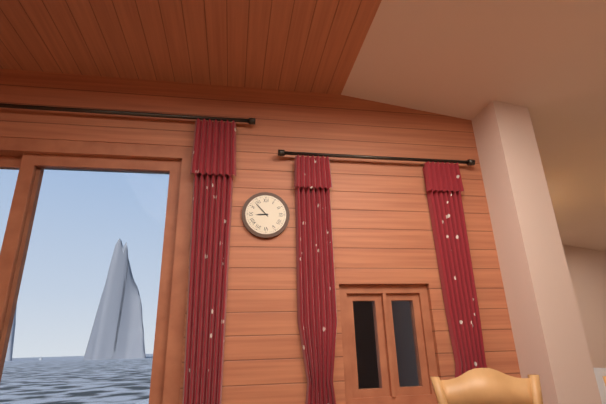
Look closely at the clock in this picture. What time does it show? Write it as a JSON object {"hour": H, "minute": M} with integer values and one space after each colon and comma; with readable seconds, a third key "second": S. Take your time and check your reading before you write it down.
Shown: {"hour": 8, "minute": 53}
